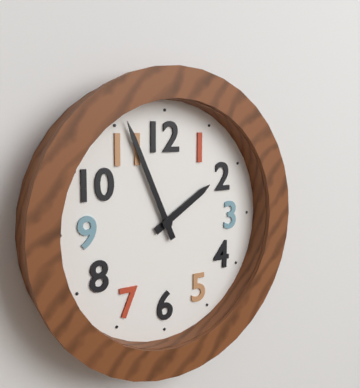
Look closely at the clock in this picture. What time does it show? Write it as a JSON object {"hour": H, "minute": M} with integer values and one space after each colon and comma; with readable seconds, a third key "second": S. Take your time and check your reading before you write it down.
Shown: {"hour": 1, "minute": 56}
